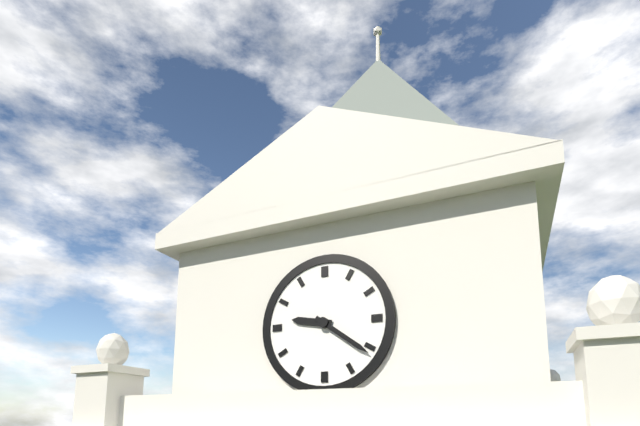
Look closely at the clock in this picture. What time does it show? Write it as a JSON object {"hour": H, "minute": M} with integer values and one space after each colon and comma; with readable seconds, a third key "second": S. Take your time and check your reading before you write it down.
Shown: {"hour": 9, "minute": 21}
